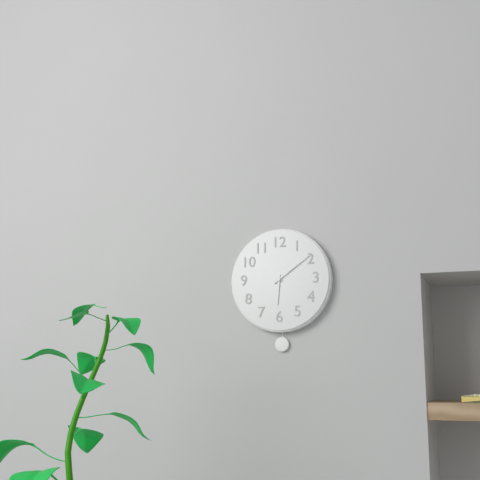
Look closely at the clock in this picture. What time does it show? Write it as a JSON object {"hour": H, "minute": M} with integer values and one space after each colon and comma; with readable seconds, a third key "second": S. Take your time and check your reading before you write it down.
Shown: {"hour": 6, "minute": 9}
